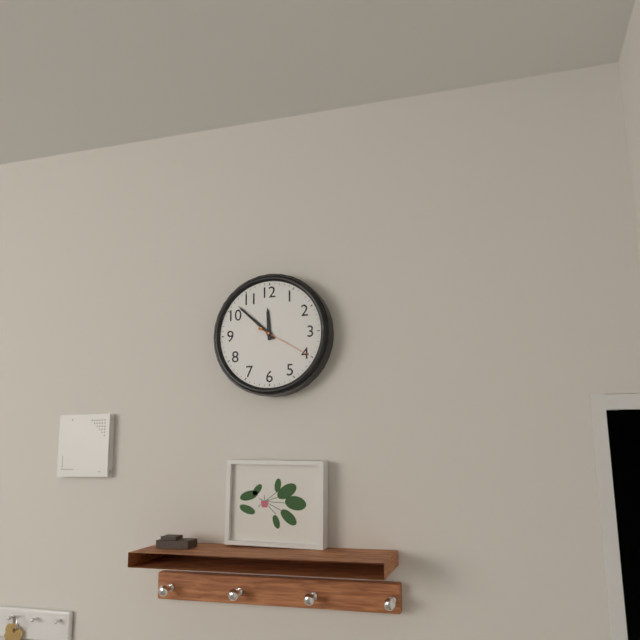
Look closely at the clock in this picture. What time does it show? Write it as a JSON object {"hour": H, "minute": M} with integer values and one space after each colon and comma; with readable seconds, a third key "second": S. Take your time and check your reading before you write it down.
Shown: {"hour": 11, "minute": 52, "second": 20}
